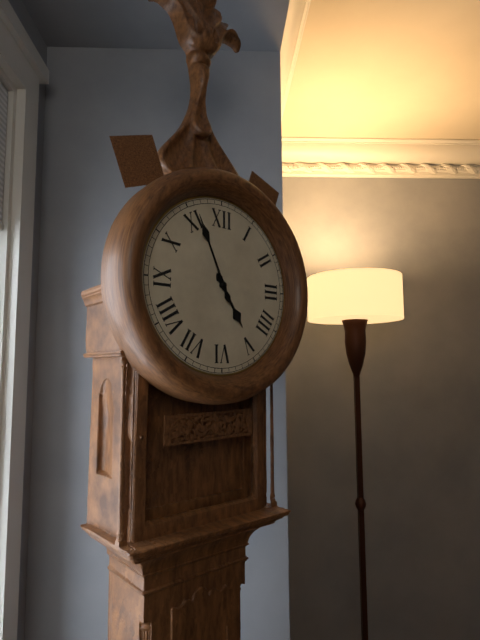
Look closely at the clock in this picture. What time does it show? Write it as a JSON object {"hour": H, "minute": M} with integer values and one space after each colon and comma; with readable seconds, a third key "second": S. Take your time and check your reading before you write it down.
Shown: {"hour": 4, "minute": 56}
